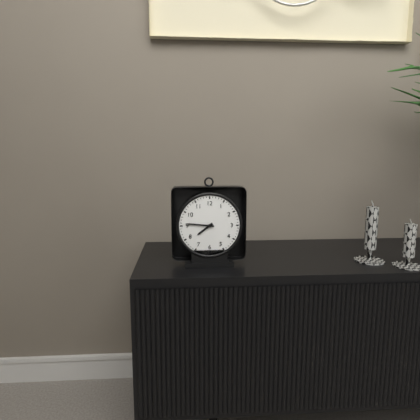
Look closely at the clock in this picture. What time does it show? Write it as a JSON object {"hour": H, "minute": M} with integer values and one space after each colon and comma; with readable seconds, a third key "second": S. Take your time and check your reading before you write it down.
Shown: {"hour": 7, "minute": 46}
